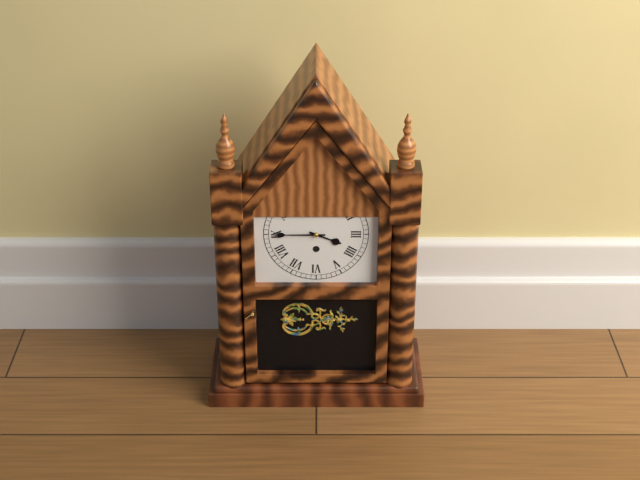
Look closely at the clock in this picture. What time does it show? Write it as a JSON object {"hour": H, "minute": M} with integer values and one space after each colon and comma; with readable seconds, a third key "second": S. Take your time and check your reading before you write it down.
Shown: {"hour": 3, "minute": 45}
